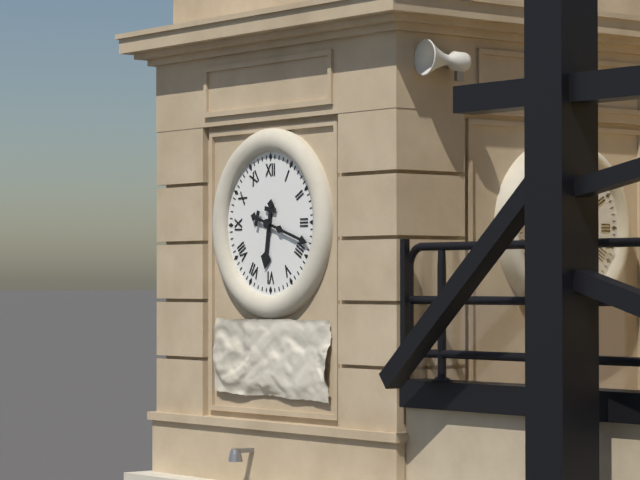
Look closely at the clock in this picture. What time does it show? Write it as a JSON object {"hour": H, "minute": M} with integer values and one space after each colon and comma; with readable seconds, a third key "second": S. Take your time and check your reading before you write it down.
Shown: {"hour": 6, "minute": 18}
